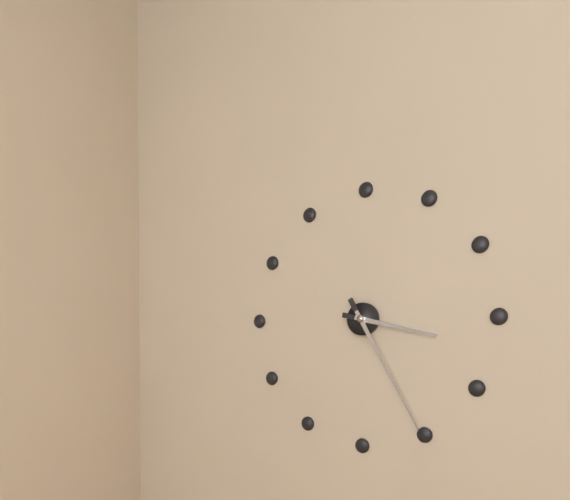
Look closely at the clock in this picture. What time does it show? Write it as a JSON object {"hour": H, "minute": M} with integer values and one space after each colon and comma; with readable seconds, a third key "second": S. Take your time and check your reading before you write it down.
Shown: {"hour": 3, "minute": 25}
